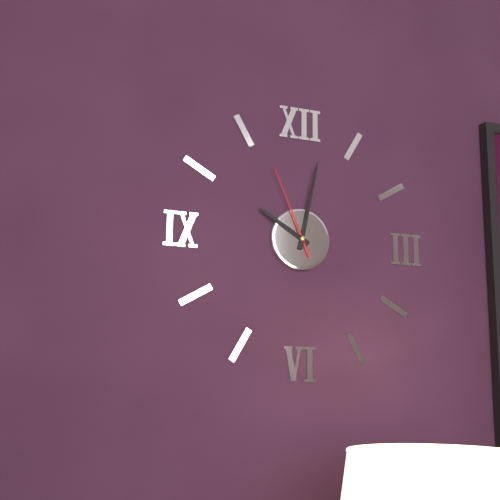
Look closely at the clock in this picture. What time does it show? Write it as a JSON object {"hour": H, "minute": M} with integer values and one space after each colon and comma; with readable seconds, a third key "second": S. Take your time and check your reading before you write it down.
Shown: {"hour": 10, "minute": 2, "second": 56}
